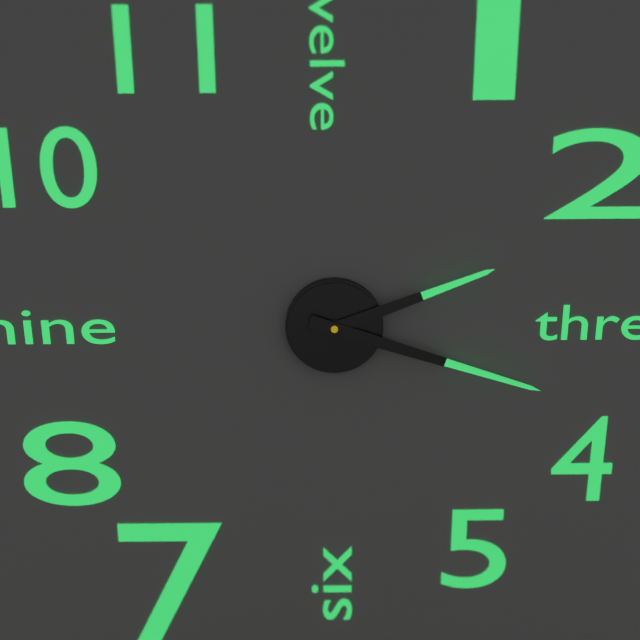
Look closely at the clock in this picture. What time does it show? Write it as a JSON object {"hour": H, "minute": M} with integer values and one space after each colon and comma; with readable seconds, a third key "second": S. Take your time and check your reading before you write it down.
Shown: {"hour": 2, "minute": 18}
